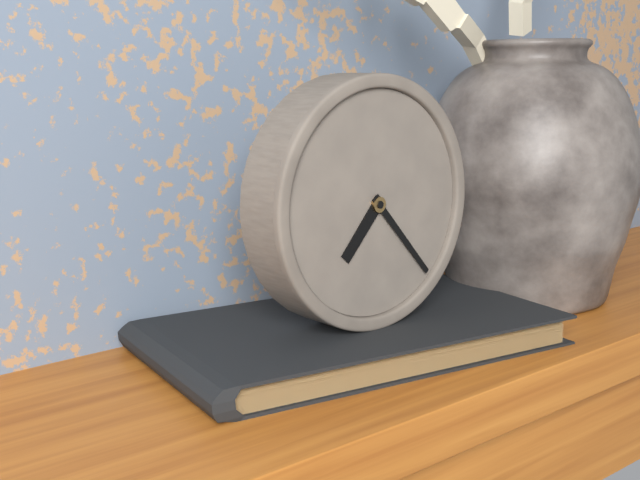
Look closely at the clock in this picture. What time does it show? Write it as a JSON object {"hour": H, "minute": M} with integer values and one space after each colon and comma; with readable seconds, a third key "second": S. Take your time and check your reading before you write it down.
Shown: {"hour": 7, "minute": 23}
